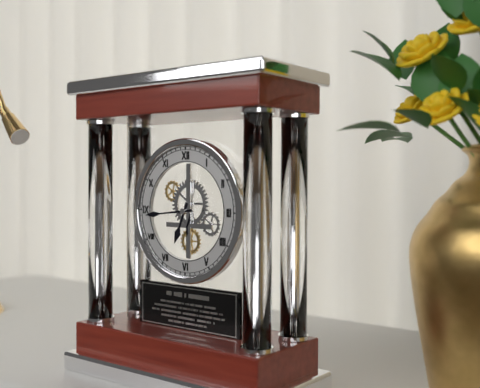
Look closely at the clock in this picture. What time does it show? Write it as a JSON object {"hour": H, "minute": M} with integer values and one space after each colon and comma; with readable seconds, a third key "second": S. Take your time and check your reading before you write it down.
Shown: {"hour": 6, "minute": 44}
